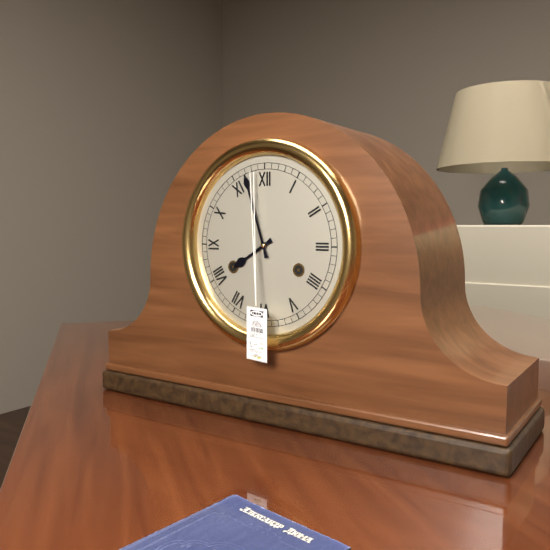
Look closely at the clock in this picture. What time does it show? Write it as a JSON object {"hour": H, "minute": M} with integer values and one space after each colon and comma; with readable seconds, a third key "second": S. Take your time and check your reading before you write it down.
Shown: {"hour": 7, "minute": 57}
